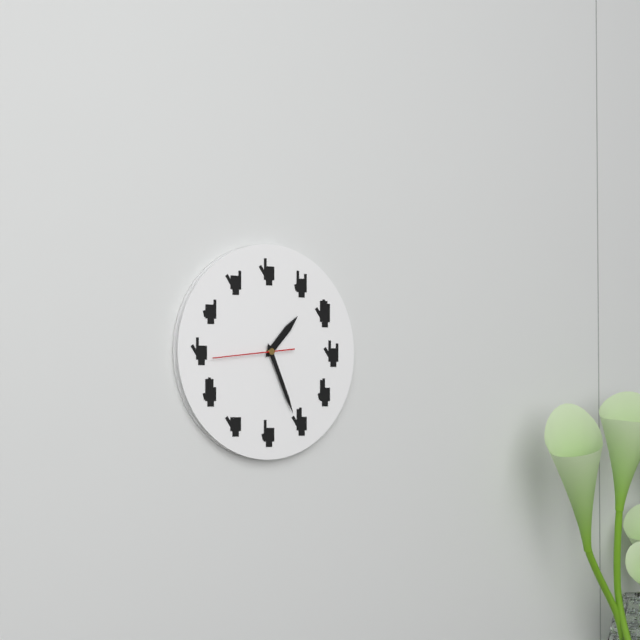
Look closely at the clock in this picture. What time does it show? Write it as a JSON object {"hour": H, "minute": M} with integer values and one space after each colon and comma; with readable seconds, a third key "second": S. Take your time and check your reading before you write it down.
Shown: {"hour": 1, "minute": 26, "second": 44}
